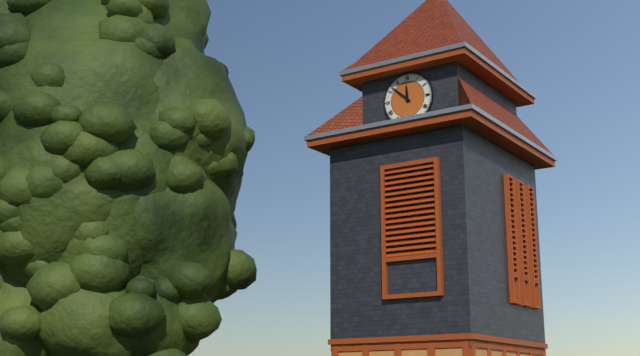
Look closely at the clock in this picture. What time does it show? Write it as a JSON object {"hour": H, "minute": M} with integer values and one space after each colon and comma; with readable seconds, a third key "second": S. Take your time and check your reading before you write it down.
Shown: {"hour": 11, "minute": 52}
